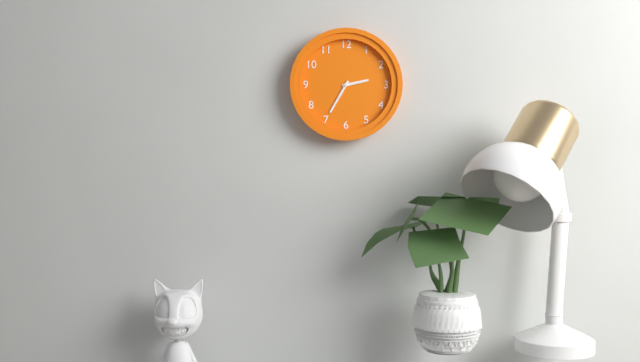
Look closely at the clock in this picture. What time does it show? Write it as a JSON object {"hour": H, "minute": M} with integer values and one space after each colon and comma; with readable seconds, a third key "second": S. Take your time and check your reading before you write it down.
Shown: {"hour": 2, "minute": 35}
